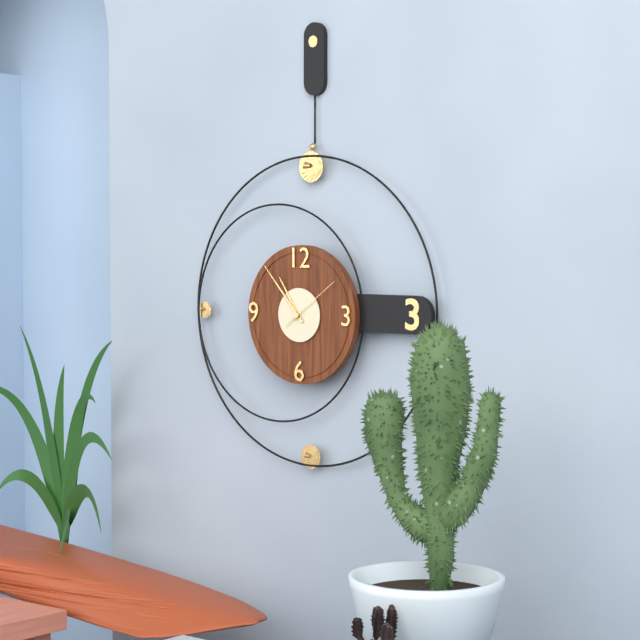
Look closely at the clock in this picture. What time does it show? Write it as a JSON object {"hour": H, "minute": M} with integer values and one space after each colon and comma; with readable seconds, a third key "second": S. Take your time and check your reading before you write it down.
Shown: {"hour": 10, "minute": 53, "second": 9}
